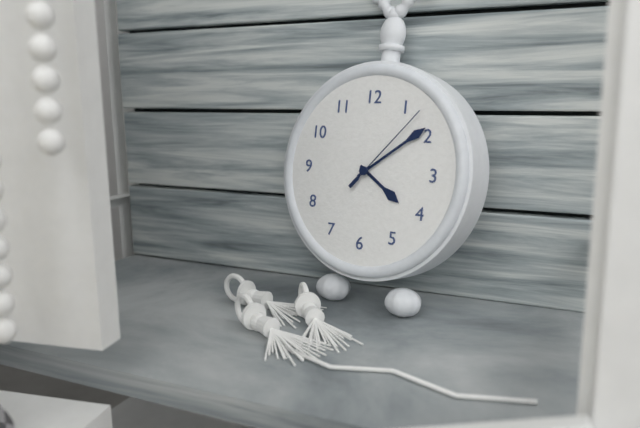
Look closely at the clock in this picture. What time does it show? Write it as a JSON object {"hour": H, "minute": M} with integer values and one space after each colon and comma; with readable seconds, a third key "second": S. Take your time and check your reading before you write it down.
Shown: {"hour": 4, "minute": 9, "second": 7}
